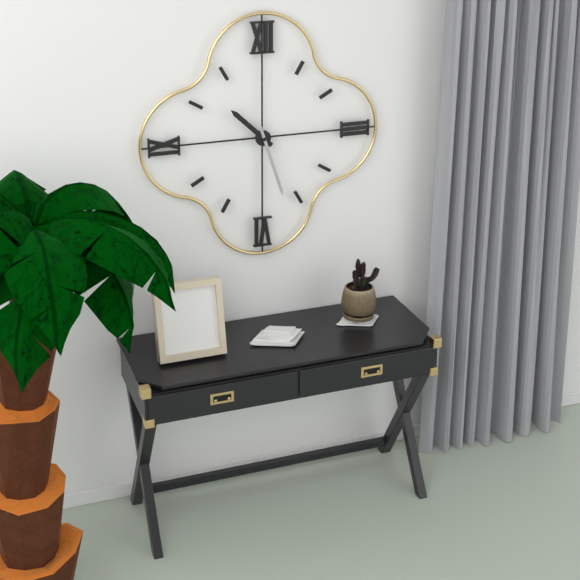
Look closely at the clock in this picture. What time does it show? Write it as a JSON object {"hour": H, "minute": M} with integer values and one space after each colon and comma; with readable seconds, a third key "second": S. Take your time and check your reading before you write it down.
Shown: {"hour": 10, "minute": 27}
